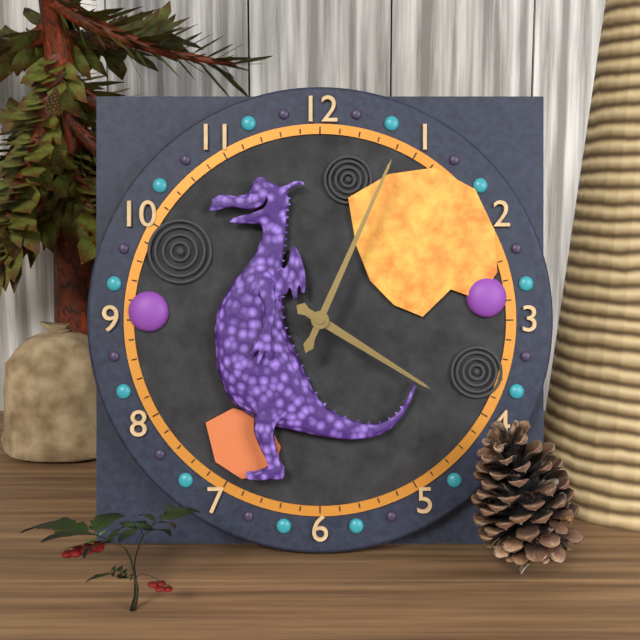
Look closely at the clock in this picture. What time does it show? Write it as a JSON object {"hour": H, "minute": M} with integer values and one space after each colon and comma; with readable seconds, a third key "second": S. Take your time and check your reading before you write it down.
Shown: {"hour": 4, "minute": 4}
